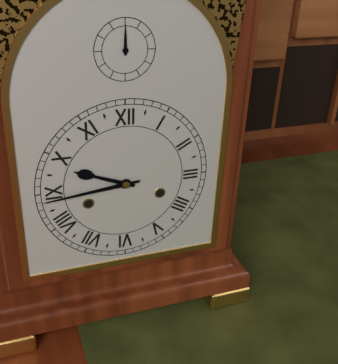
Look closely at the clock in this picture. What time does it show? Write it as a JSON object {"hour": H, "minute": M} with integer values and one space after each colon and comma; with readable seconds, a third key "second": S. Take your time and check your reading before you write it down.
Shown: {"hour": 9, "minute": 44}
